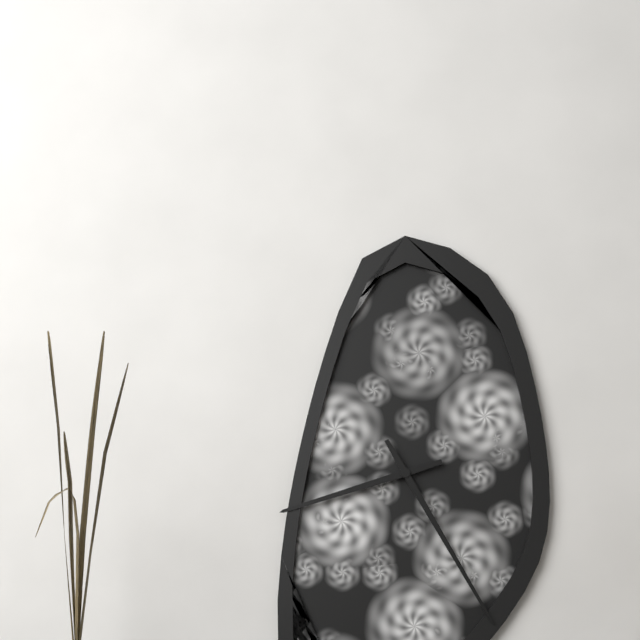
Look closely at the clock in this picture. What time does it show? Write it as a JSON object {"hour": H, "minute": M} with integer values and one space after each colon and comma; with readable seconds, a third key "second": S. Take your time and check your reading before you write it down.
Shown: {"hour": 8, "minute": 25}
